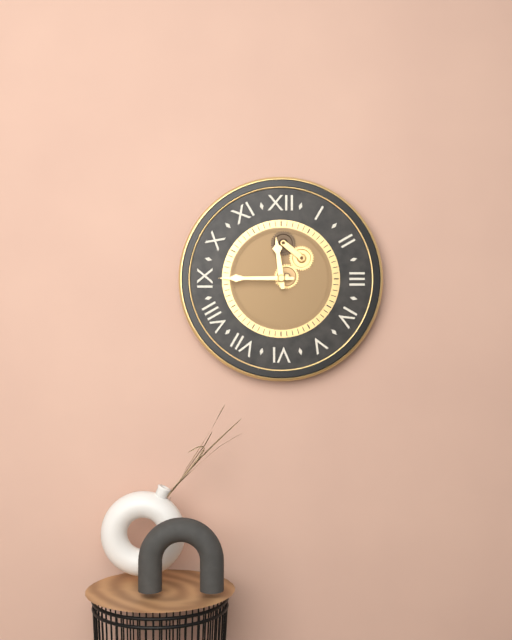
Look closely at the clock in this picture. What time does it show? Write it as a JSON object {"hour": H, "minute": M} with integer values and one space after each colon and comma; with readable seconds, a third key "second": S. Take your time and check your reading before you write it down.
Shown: {"hour": 11, "minute": 45}
